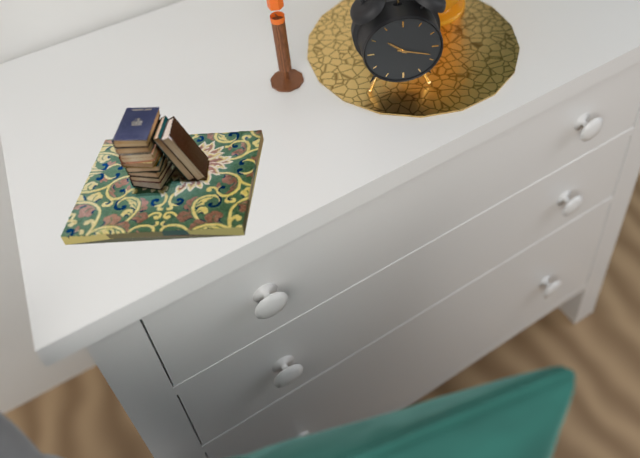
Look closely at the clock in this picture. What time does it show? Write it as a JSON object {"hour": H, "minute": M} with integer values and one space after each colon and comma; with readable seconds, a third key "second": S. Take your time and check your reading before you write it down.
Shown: {"hour": 10, "minute": 18}
